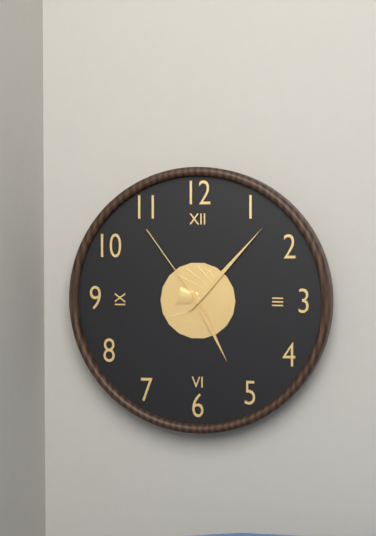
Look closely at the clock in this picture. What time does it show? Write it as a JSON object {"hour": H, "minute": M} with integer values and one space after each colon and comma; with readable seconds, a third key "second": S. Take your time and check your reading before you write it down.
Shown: {"hour": 5, "minute": 7, "second": 54}
